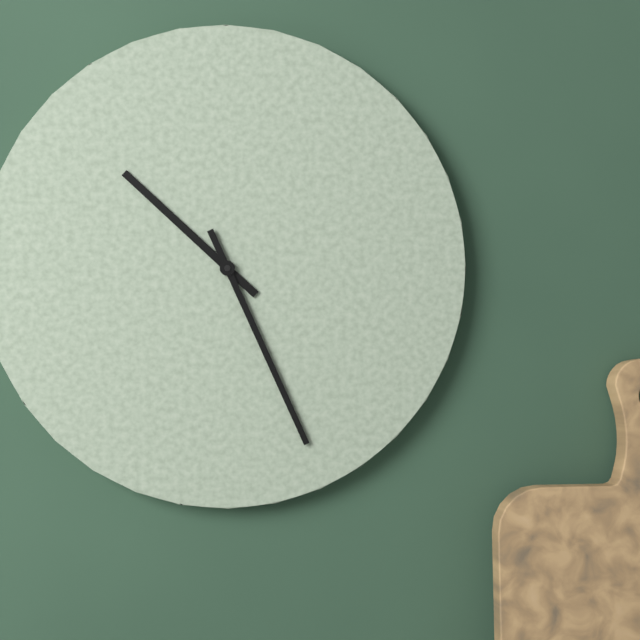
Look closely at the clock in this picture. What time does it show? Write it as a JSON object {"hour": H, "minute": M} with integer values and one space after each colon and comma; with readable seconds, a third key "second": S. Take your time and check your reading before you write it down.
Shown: {"hour": 10, "minute": 26}
